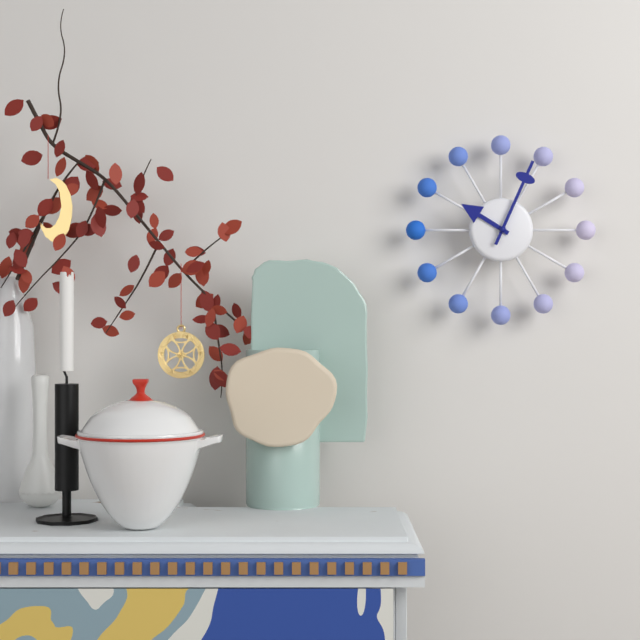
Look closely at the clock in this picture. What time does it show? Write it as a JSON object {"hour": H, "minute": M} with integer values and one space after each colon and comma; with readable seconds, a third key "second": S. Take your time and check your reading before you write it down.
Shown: {"hour": 10, "minute": 4}
